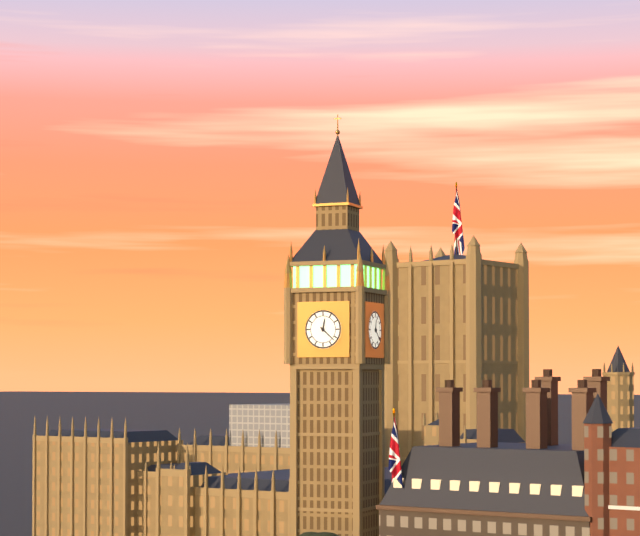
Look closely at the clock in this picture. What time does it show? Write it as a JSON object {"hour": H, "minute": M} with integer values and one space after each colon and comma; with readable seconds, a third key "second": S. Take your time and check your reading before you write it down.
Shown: {"hour": 12, "minute": 22}
